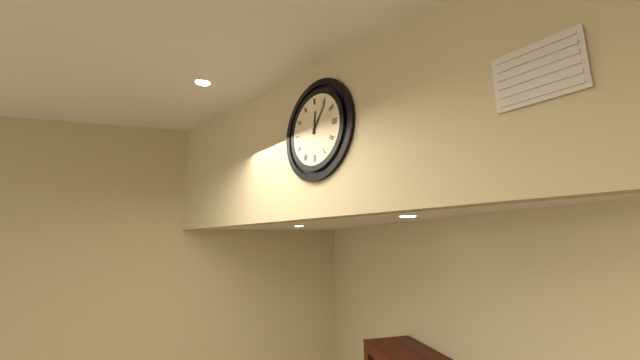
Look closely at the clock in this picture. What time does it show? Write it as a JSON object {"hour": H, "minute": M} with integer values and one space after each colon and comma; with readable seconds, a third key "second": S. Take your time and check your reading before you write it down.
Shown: {"hour": 12, "minute": 6}
